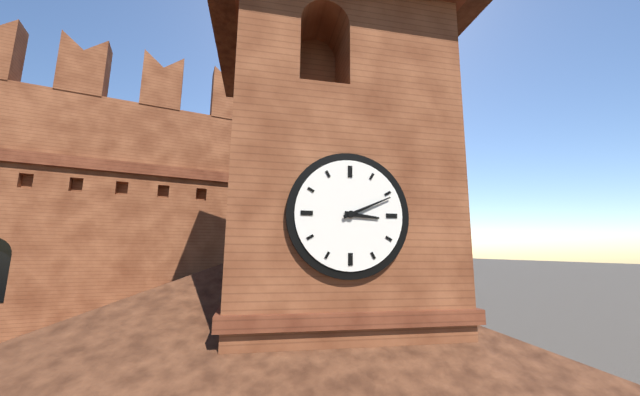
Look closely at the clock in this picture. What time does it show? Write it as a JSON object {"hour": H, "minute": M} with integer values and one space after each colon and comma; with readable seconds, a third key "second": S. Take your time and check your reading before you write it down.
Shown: {"hour": 3, "minute": 11}
